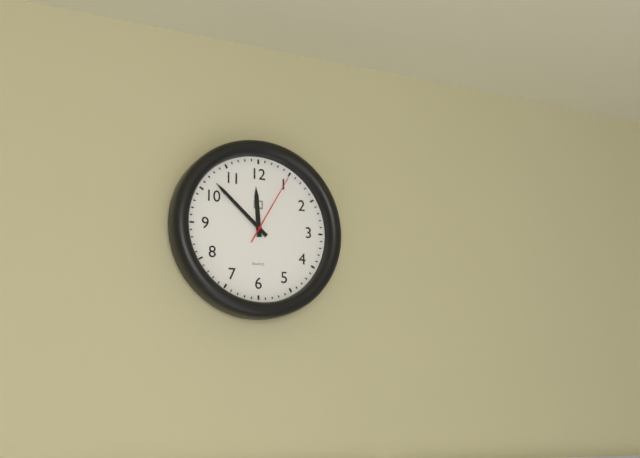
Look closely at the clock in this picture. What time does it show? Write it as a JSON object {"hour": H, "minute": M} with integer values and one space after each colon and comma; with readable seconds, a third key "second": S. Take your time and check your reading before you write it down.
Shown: {"hour": 11, "minute": 52, "second": 5}
